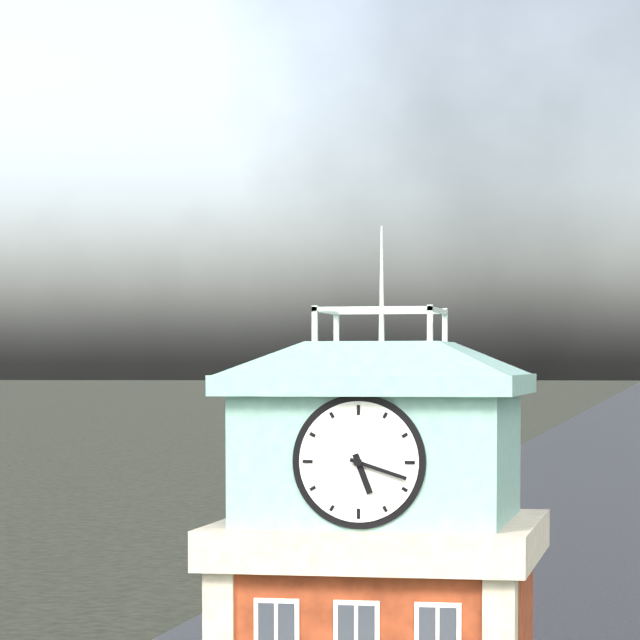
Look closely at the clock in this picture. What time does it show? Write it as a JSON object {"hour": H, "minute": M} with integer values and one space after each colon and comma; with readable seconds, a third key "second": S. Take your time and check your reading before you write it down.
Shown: {"hour": 5, "minute": 18}
